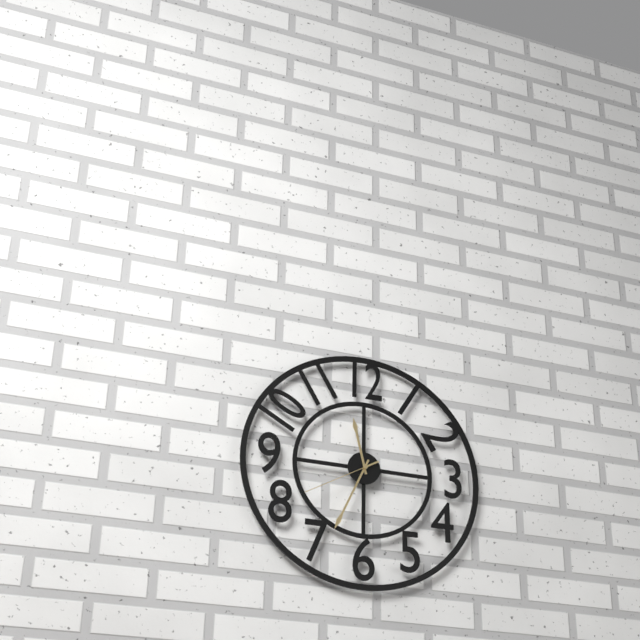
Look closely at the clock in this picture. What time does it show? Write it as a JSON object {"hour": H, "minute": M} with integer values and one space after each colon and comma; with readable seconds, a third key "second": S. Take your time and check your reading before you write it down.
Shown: {"hour": 11, "minute": 34, "second": 40}
